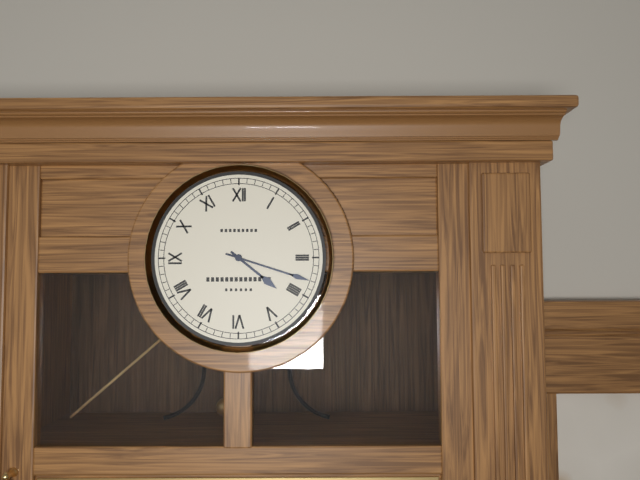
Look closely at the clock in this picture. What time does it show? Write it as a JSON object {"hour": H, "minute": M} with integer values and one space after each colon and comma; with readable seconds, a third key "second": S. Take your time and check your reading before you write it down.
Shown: {"hour": 4, "minute": 18}
